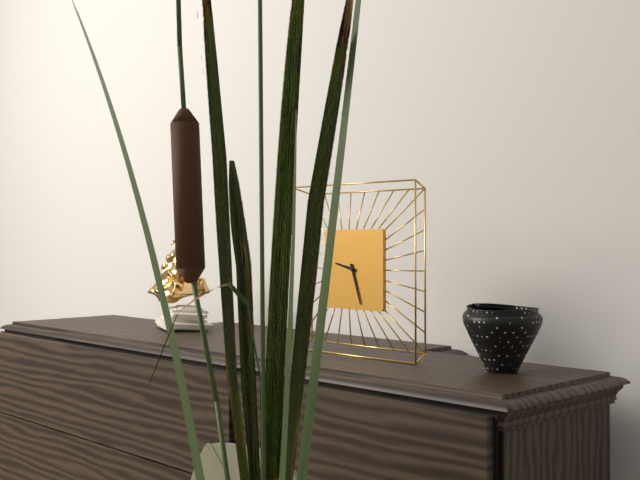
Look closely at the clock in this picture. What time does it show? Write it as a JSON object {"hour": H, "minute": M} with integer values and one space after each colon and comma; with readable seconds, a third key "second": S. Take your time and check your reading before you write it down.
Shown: {"hour": 9, "minute": 27}
